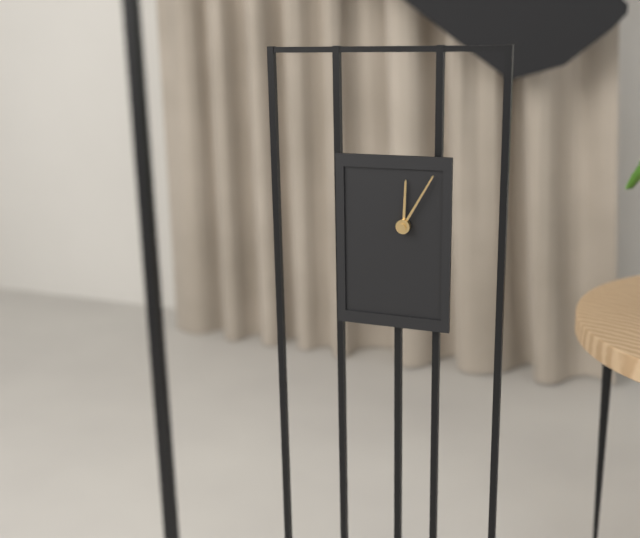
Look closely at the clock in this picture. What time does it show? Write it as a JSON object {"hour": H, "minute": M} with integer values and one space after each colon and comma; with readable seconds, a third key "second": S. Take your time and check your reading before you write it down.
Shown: {"hour": 12, "minute": 5}
